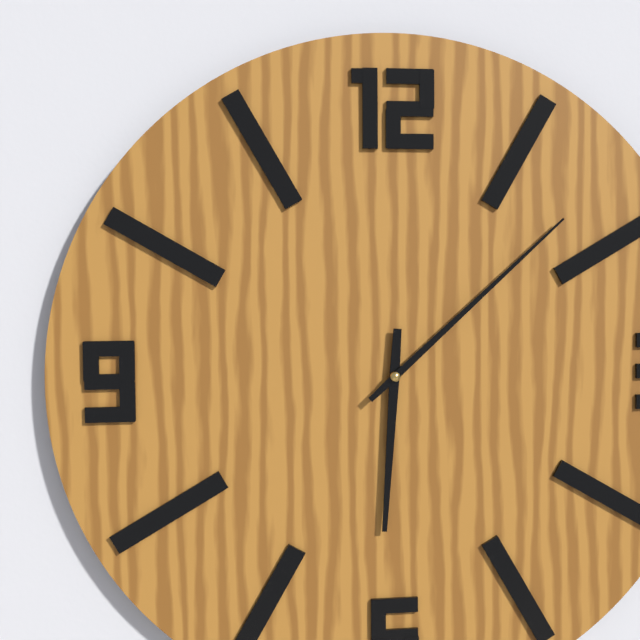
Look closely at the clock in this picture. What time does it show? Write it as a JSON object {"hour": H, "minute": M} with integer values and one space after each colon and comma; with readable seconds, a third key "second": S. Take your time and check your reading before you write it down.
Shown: {"hour": 6, "minute": 8}
